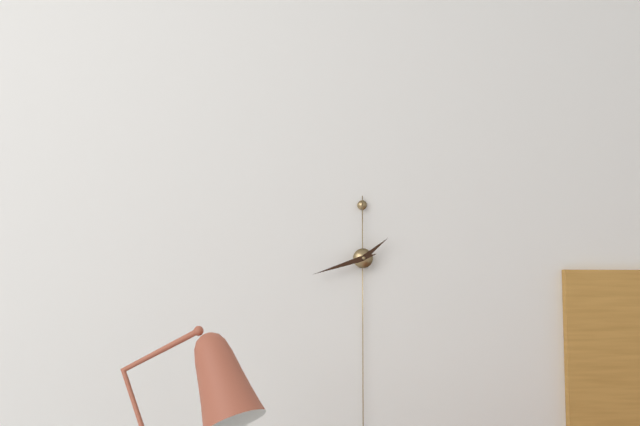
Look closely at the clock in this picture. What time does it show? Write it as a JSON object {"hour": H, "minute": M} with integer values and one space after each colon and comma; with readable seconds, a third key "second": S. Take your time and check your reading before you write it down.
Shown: {"hour": 1, "minute": 42}
